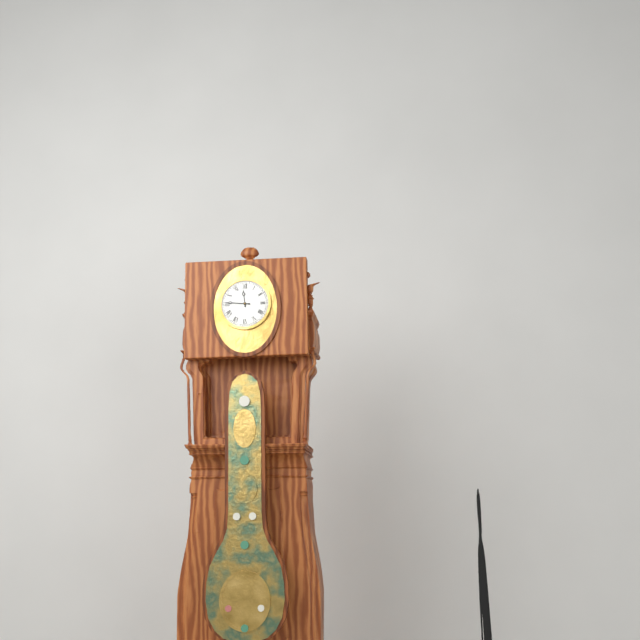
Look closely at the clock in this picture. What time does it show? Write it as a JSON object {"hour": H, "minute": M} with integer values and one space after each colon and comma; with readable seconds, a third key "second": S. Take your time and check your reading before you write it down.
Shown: {"hour": 11, "minute": 46}
